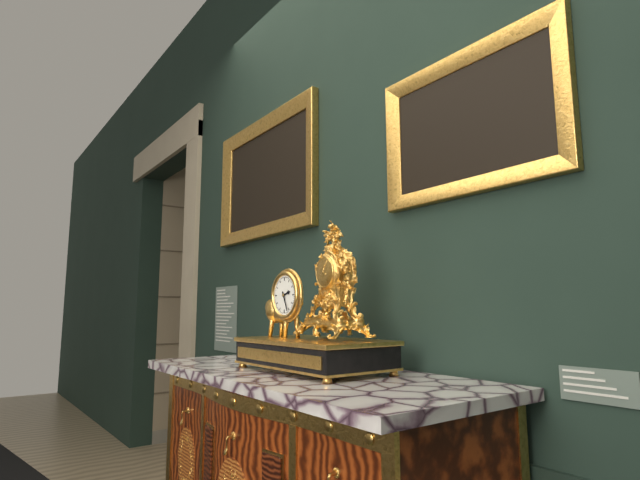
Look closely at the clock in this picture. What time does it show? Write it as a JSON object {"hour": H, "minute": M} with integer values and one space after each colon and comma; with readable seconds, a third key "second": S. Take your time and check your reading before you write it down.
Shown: {"hour": 2, "minute": 26}
